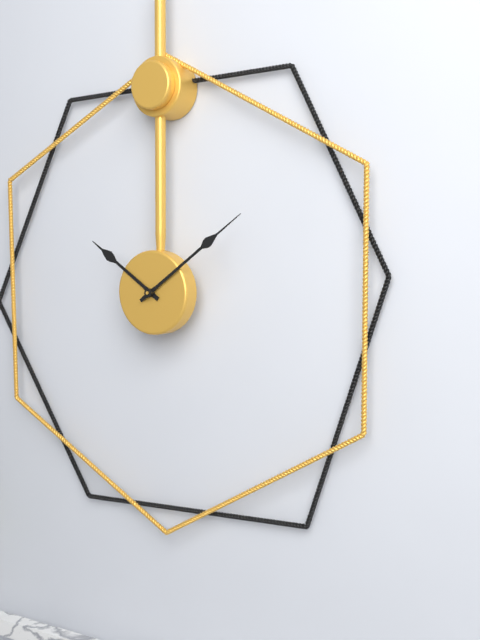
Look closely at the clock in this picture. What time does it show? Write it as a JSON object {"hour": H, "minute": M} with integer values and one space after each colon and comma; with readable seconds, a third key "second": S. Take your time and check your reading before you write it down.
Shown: {"hour": 10, "minute": 9}
